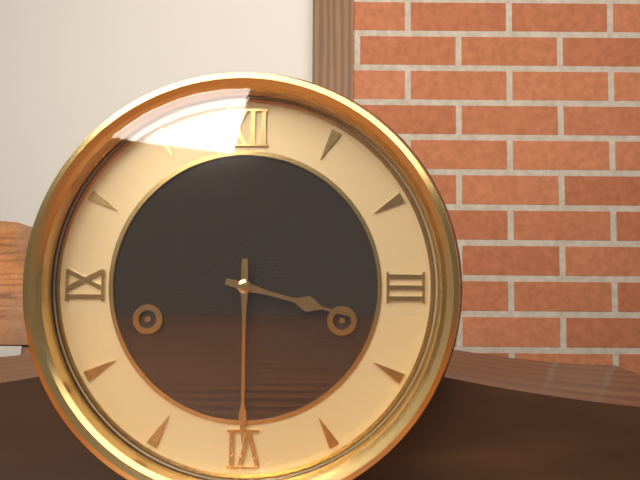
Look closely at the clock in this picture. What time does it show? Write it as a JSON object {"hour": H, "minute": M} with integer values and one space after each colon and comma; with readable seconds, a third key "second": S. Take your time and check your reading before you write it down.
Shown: {"hour": 3, "minute": 30}
